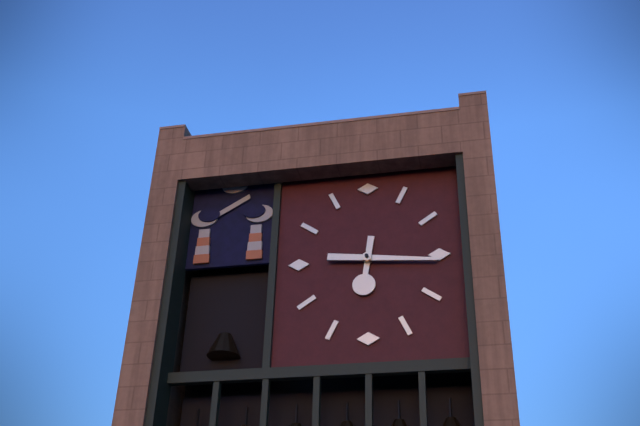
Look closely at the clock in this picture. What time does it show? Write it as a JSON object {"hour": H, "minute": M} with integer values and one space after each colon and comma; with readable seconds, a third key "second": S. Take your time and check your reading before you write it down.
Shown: {"hour": 6, "minute": 16}
